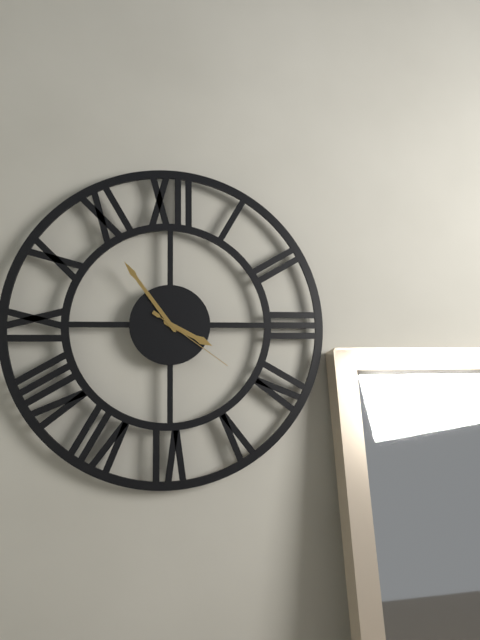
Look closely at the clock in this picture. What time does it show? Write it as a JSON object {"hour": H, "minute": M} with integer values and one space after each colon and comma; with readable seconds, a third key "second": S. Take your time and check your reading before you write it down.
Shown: {"hour": 3, "minute": 54, "second": 21}
